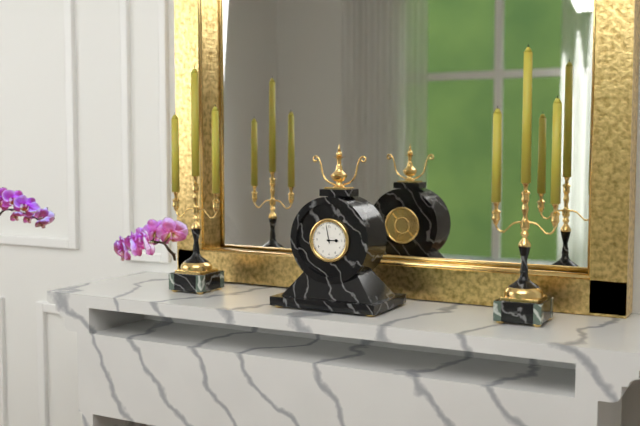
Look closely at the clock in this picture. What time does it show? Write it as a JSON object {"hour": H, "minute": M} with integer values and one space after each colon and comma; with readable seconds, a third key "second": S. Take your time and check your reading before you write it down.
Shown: {"hour": 2, "minute": 58}
